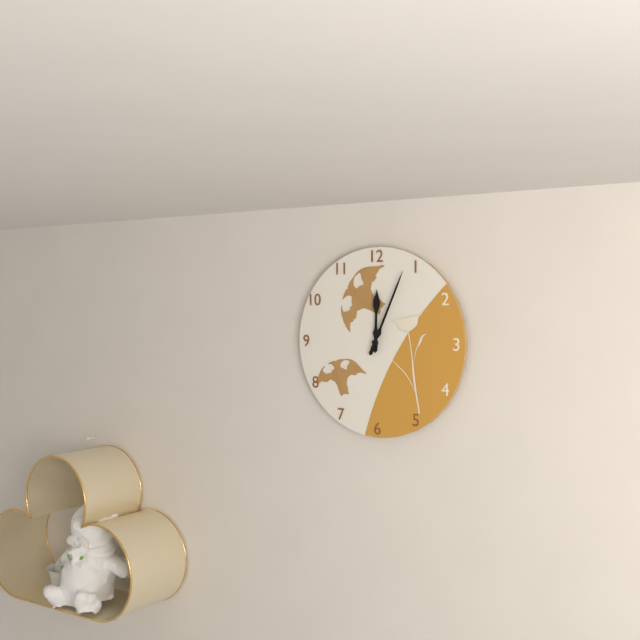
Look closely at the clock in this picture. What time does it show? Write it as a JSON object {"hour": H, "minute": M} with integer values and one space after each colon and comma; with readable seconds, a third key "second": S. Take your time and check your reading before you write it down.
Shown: {"hour": 12, "minute": 4}
